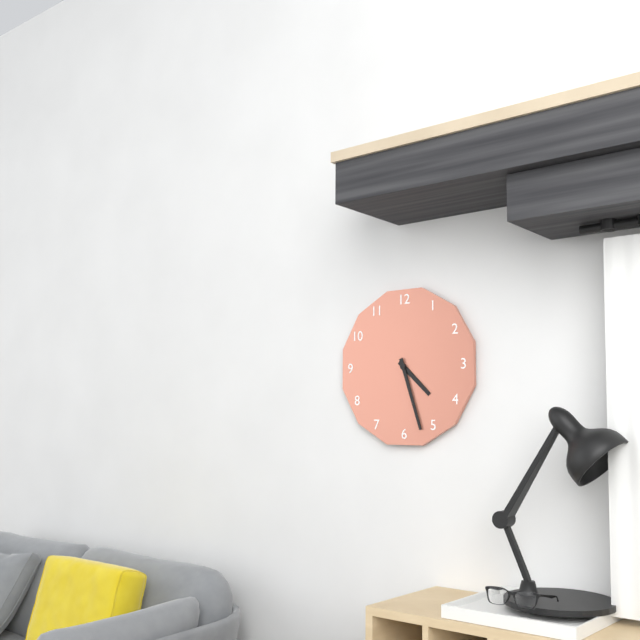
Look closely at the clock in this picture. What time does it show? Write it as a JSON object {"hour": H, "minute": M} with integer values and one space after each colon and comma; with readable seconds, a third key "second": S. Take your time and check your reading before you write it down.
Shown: {"hour": 4, "minute": 27}
